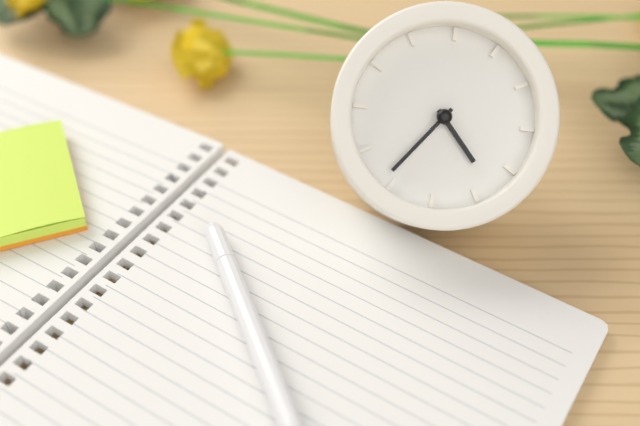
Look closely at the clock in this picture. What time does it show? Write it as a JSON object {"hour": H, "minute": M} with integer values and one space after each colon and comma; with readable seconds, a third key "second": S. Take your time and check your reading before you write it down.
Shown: {"hour": 4, "minute": 36}
